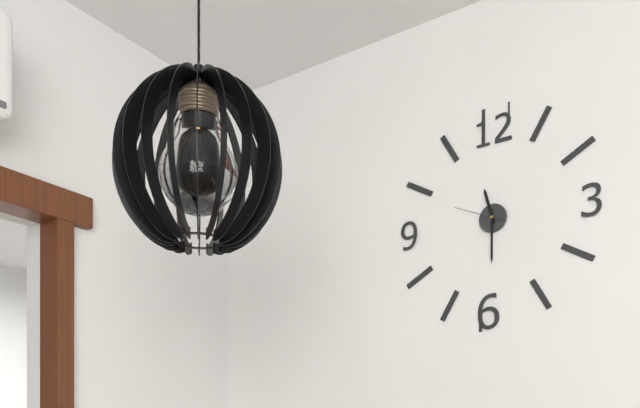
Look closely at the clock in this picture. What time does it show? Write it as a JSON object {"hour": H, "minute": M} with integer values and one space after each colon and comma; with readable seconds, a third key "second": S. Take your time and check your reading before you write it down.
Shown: {"hour": 11, "minute": 30}
